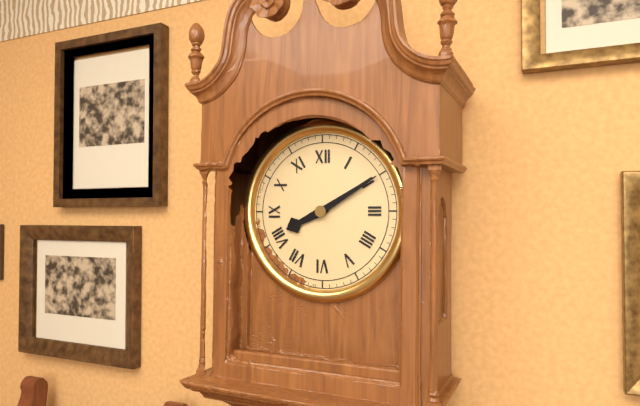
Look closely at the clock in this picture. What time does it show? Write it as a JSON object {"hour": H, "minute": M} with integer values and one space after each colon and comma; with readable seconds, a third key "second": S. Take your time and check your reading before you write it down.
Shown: {"hour": 8, "minute": 10}
